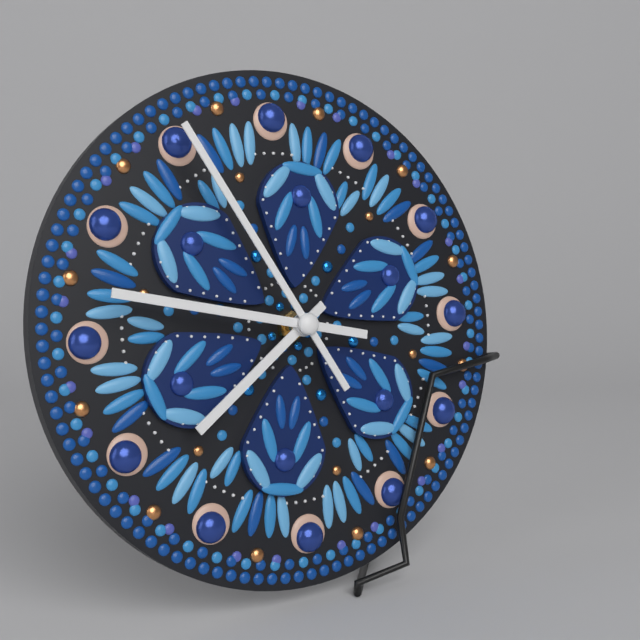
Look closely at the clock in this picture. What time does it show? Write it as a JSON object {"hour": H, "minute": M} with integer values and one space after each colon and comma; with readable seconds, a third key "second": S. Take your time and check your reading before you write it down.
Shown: {"hour": 7, "minute": 47, "second": 55}
